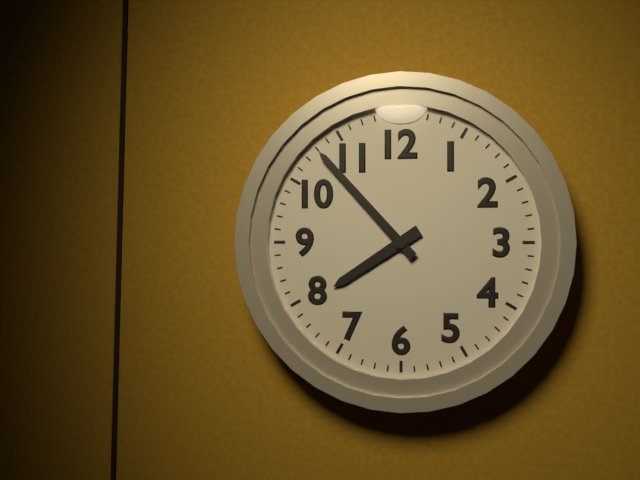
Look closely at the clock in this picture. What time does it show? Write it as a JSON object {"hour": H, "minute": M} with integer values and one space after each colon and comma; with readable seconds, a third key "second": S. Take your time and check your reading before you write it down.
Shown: {"hour": 7, "minute": 53}
